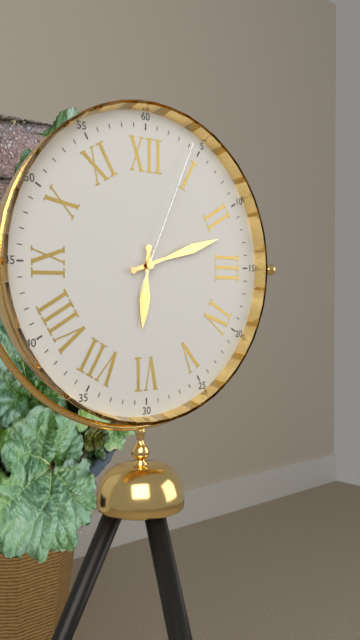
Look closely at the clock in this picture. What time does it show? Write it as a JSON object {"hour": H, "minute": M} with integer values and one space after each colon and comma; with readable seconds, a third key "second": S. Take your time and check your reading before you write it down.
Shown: {"hour": 6, "minute": 12, "second": 4}
